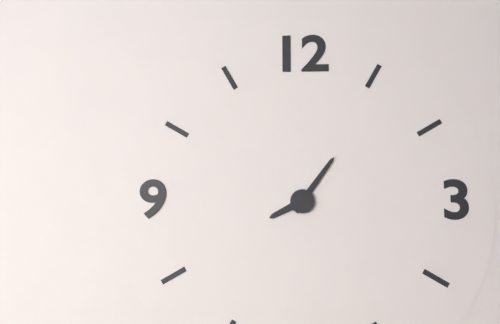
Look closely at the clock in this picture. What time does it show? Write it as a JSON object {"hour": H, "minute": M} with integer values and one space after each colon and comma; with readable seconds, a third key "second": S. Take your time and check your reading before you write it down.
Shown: {"hour": 8, "minute": 6}
